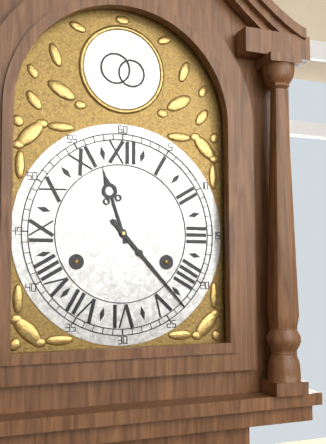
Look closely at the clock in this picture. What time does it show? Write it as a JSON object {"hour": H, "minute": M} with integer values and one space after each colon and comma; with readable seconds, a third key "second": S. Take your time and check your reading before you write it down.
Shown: {"hour": 11, "minute": 23}
